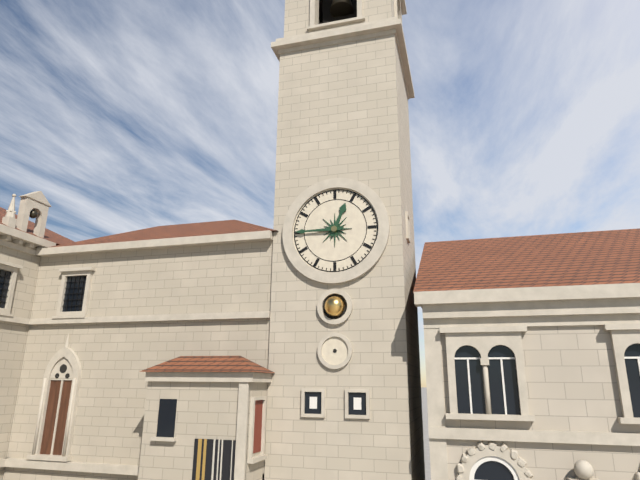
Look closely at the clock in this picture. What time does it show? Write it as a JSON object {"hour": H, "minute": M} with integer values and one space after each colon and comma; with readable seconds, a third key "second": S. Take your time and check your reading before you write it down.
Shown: {"hour": 12, "minute": 45}
